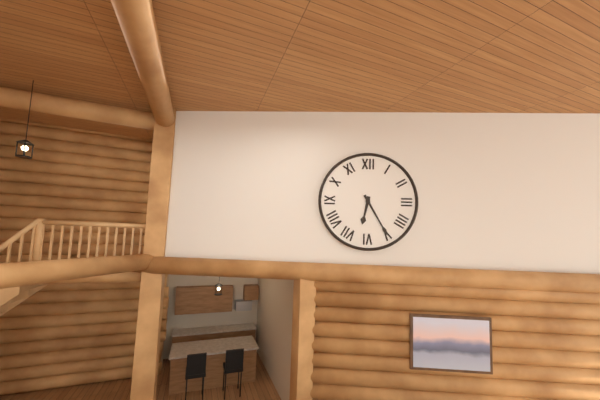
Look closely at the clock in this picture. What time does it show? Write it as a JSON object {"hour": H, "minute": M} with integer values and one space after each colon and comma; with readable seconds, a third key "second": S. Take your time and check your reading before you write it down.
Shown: {"hour": 6, "minute": 25}
